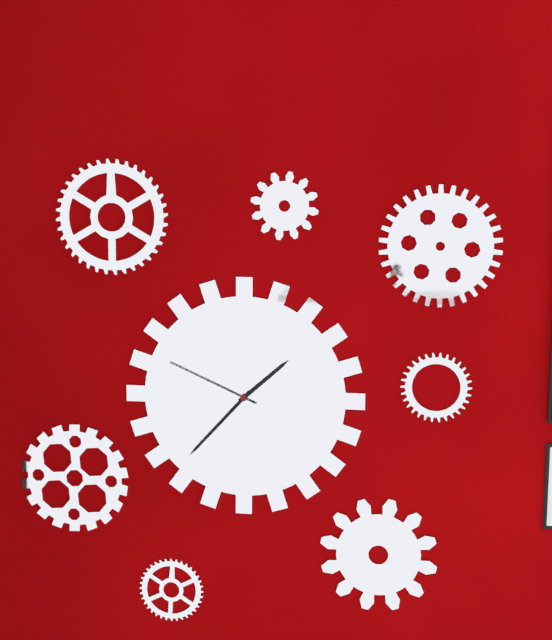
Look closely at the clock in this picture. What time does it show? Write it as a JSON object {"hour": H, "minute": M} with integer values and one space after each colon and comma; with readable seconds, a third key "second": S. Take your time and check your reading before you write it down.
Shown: {"hour": 1, "minute": 37, "second": 49}
